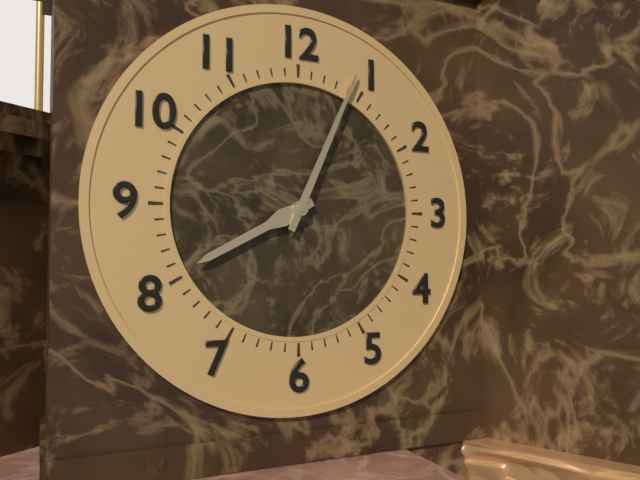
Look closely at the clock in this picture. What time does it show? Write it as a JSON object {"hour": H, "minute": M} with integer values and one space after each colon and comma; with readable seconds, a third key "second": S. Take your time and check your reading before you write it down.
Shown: {"hour": 8, "minute": 4}
